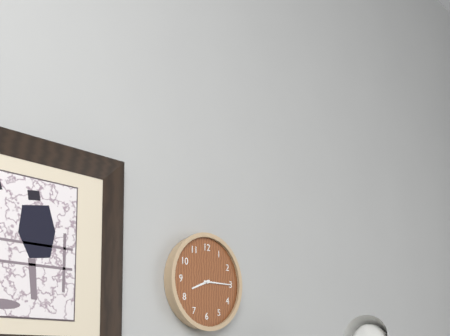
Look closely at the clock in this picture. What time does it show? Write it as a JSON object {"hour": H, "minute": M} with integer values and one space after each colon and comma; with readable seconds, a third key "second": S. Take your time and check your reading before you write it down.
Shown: {"hour": 8, "minute": 15}
